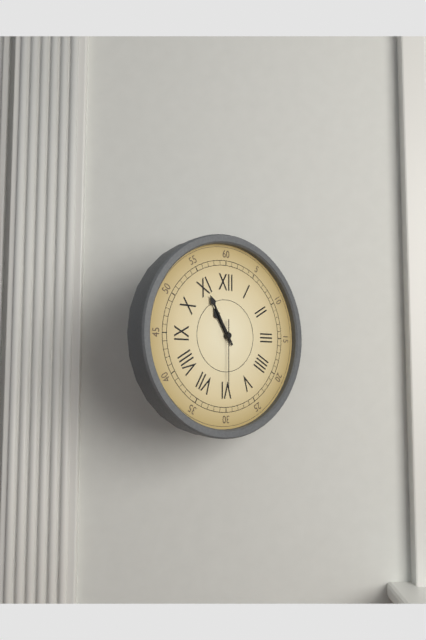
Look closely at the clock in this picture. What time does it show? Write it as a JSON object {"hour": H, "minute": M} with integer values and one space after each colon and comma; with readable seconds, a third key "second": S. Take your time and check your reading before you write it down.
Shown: {"hour": 10, "minute": 55, "second": 30}
